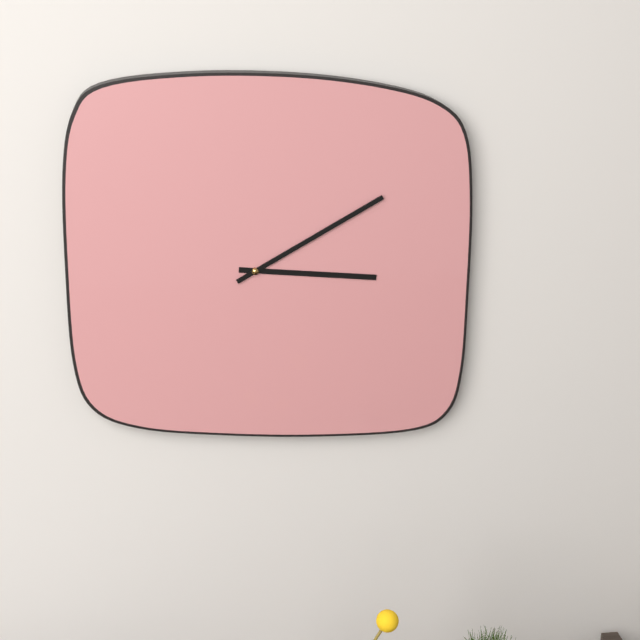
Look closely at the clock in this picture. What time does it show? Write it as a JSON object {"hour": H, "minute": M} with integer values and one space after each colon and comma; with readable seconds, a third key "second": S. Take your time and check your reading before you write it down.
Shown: {"hour": 3, "minute": 10}
